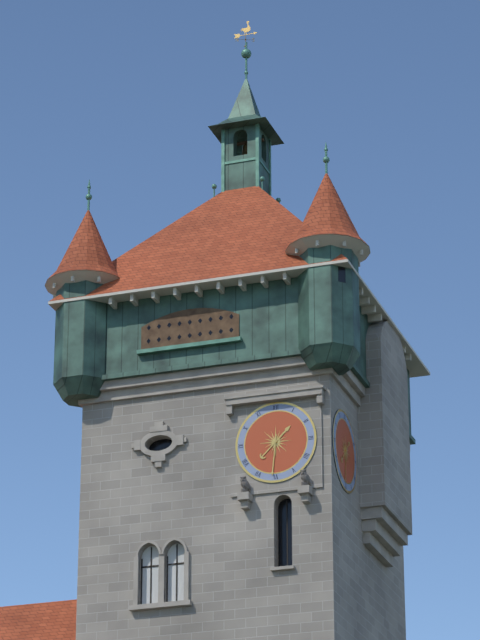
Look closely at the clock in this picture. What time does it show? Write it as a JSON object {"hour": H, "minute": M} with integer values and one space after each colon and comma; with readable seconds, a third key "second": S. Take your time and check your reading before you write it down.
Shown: {"hour": 1, "minute": 31}
